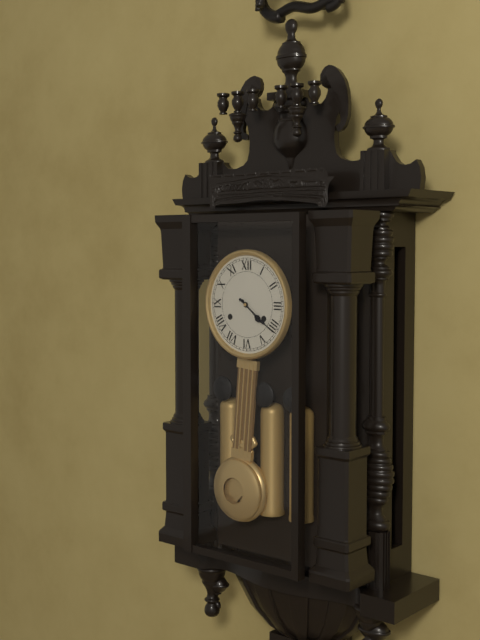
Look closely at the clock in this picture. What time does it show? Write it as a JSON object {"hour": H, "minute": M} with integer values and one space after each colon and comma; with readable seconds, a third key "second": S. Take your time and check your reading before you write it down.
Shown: {"hour": 4, "minute": 21}
